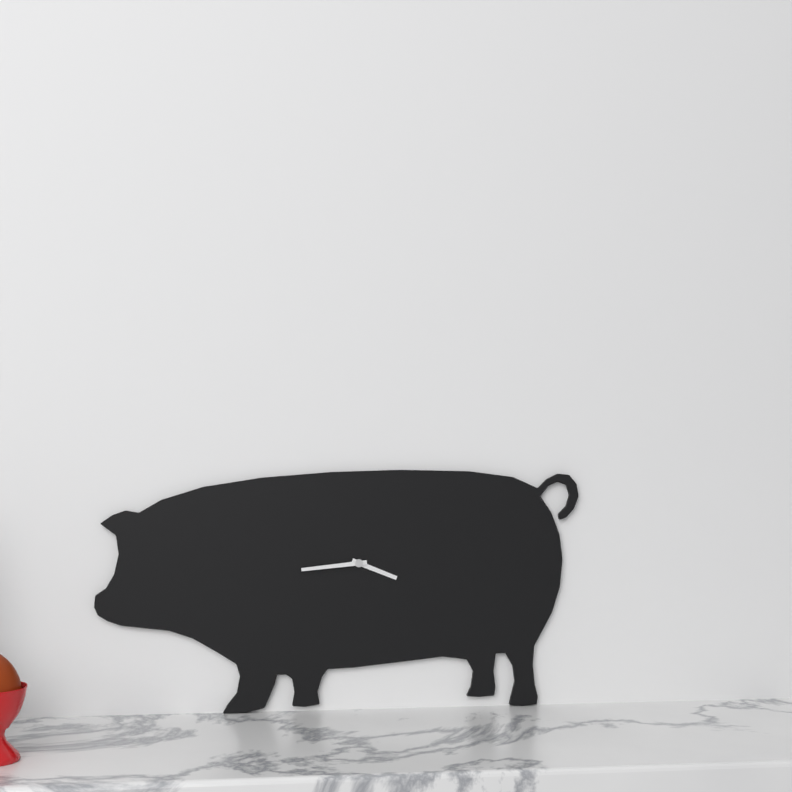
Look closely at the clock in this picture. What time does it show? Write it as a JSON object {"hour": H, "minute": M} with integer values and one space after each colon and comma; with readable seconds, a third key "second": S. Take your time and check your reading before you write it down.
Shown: {"hour": 3, "minute": 44}
